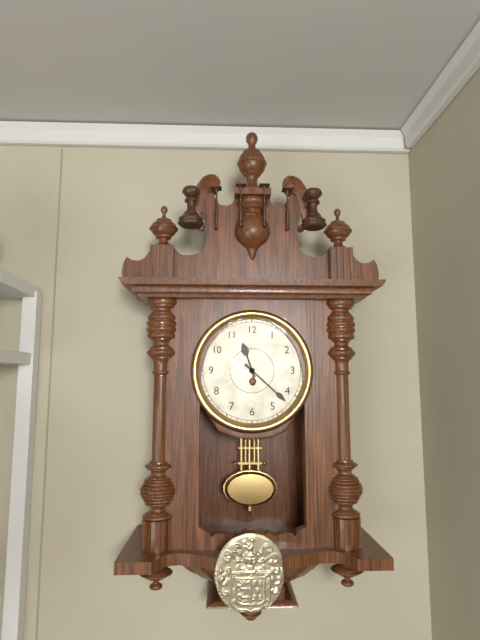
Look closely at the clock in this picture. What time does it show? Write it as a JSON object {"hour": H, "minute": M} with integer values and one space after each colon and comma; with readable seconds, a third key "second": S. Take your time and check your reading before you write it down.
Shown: {"hour": 11, "minute": 22}
